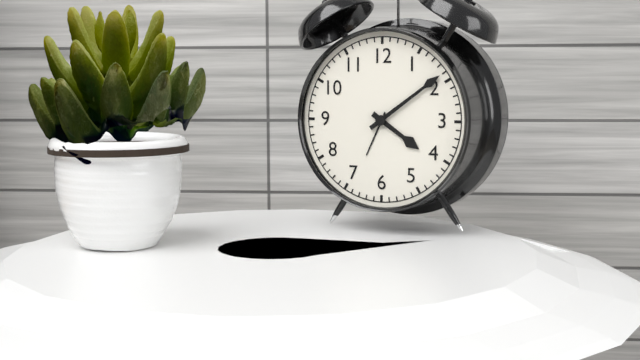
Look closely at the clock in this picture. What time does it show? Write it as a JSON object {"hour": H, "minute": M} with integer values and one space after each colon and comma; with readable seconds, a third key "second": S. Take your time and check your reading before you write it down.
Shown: {"hour": 4, "minute": 9}
